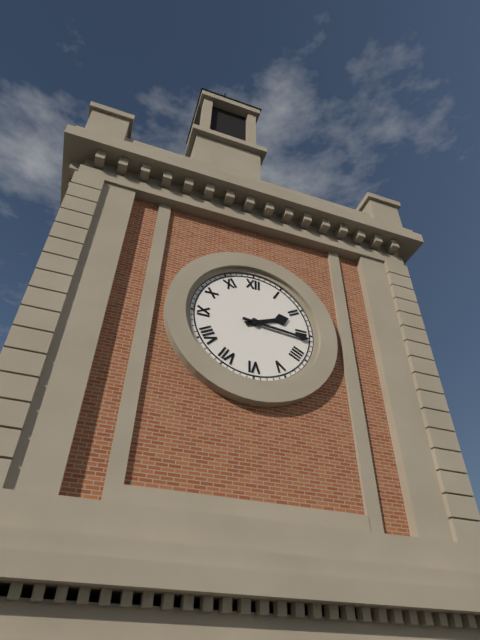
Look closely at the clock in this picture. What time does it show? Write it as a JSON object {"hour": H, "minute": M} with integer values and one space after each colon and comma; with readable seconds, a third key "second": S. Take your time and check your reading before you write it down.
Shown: {"hour": 2, "minute": 16}
